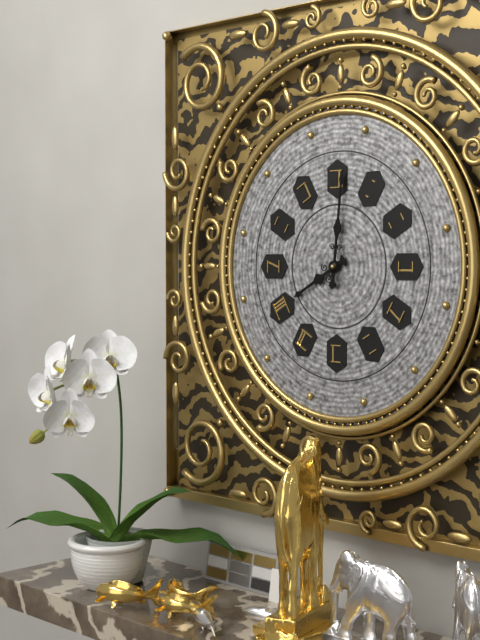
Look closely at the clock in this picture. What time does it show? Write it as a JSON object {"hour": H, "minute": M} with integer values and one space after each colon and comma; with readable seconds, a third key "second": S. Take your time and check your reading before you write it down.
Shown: {"hour": 8, "minute": 1}
